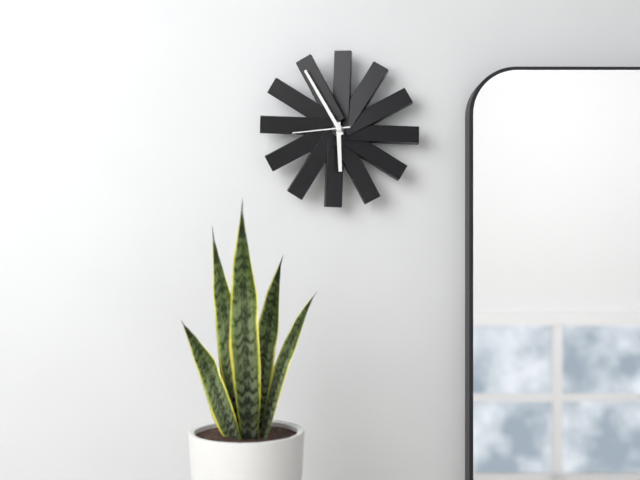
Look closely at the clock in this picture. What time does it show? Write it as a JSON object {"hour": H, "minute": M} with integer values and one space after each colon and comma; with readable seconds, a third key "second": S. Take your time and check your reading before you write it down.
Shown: {"hour": 5, "minute": 55, "second": 44}
